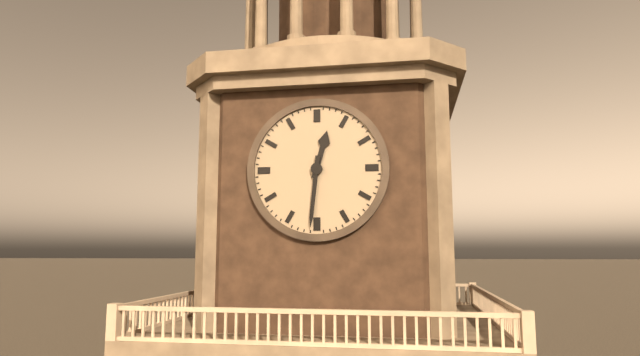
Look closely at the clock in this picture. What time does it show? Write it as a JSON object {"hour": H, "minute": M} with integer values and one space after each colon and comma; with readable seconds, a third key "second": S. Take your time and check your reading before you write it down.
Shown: {"hour": 12, "minute": 31}
